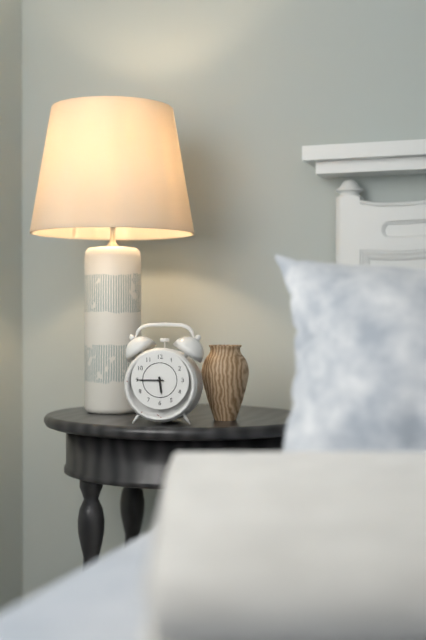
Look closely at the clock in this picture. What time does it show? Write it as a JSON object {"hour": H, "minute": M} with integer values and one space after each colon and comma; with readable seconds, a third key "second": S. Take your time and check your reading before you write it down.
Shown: {"hour": 5, "minute": 45}
